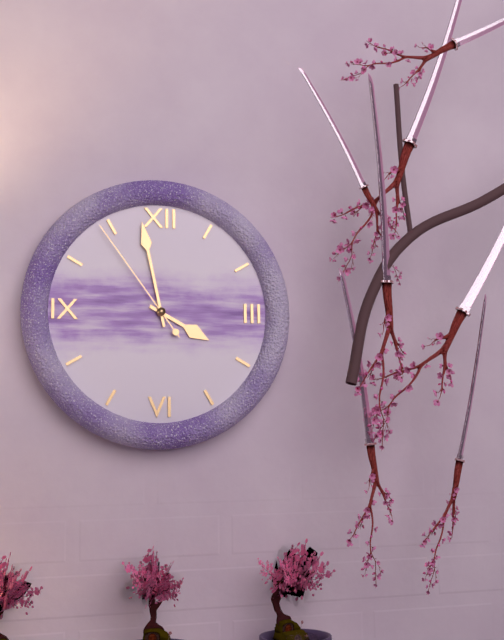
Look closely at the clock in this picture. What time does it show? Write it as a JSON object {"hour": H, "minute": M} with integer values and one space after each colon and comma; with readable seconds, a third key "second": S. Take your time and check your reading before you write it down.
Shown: {"hour": 3, "minute": 58, "second": 54}
